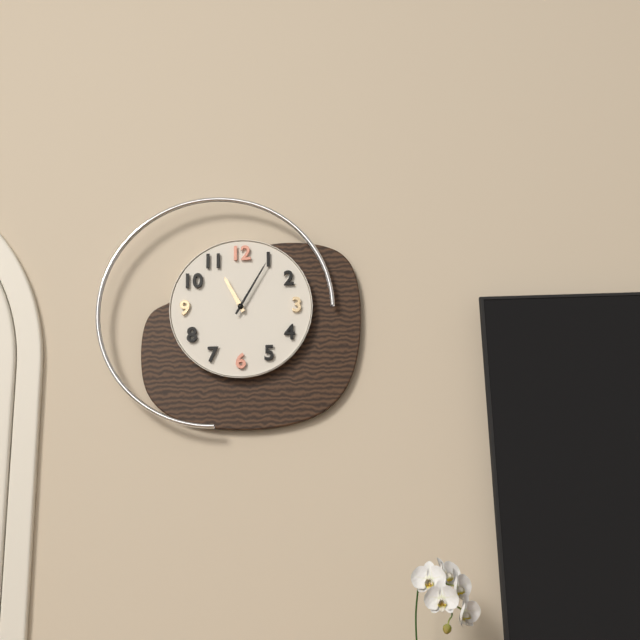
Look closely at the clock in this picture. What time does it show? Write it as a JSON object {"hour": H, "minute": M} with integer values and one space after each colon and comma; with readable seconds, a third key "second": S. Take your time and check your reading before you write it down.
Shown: {"hour": 11, "minute": 5}
